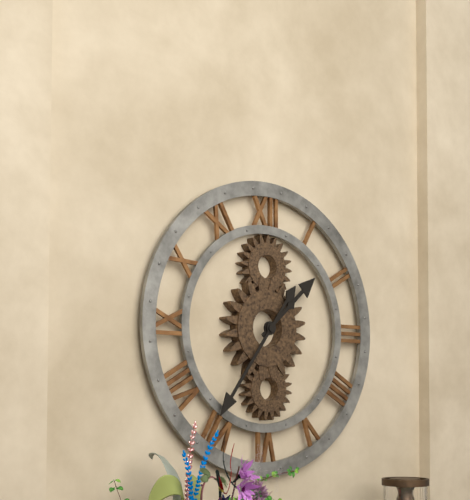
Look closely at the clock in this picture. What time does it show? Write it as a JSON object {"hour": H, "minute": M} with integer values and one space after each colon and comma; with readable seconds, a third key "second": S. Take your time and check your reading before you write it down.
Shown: {"hour": 1, "minute": 36}
